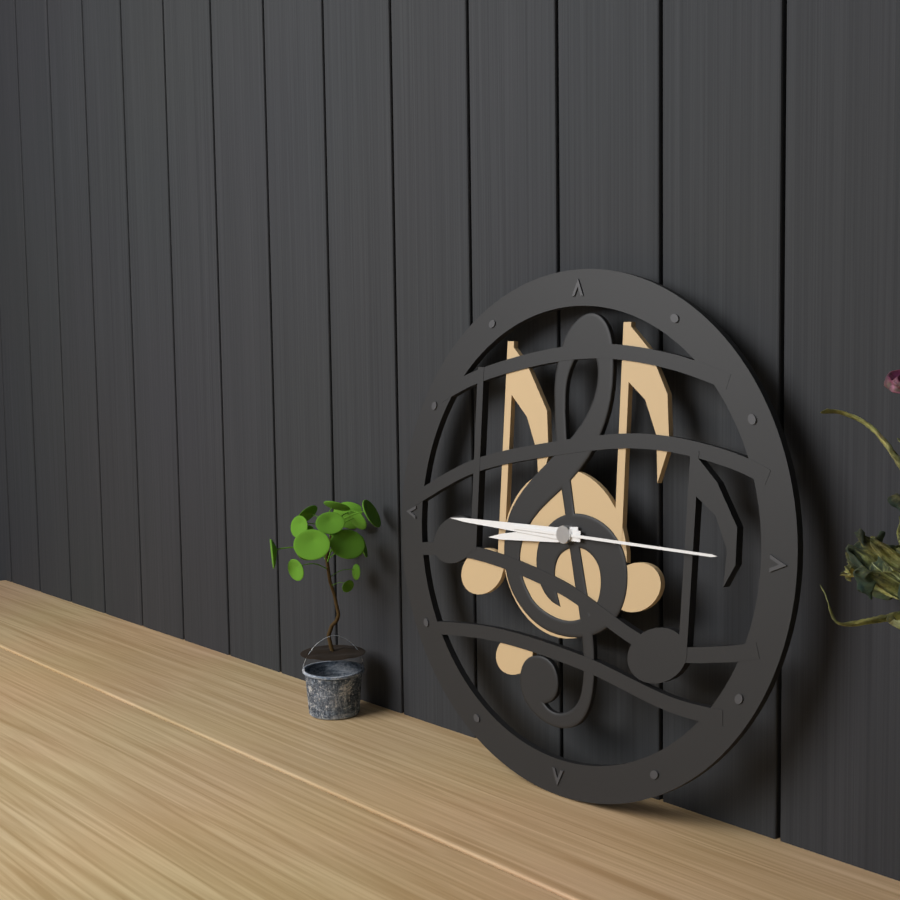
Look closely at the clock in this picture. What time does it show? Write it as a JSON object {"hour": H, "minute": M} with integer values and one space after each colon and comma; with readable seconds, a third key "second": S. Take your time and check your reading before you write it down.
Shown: {"hour": 8, "minute": 45, "second": 15}
